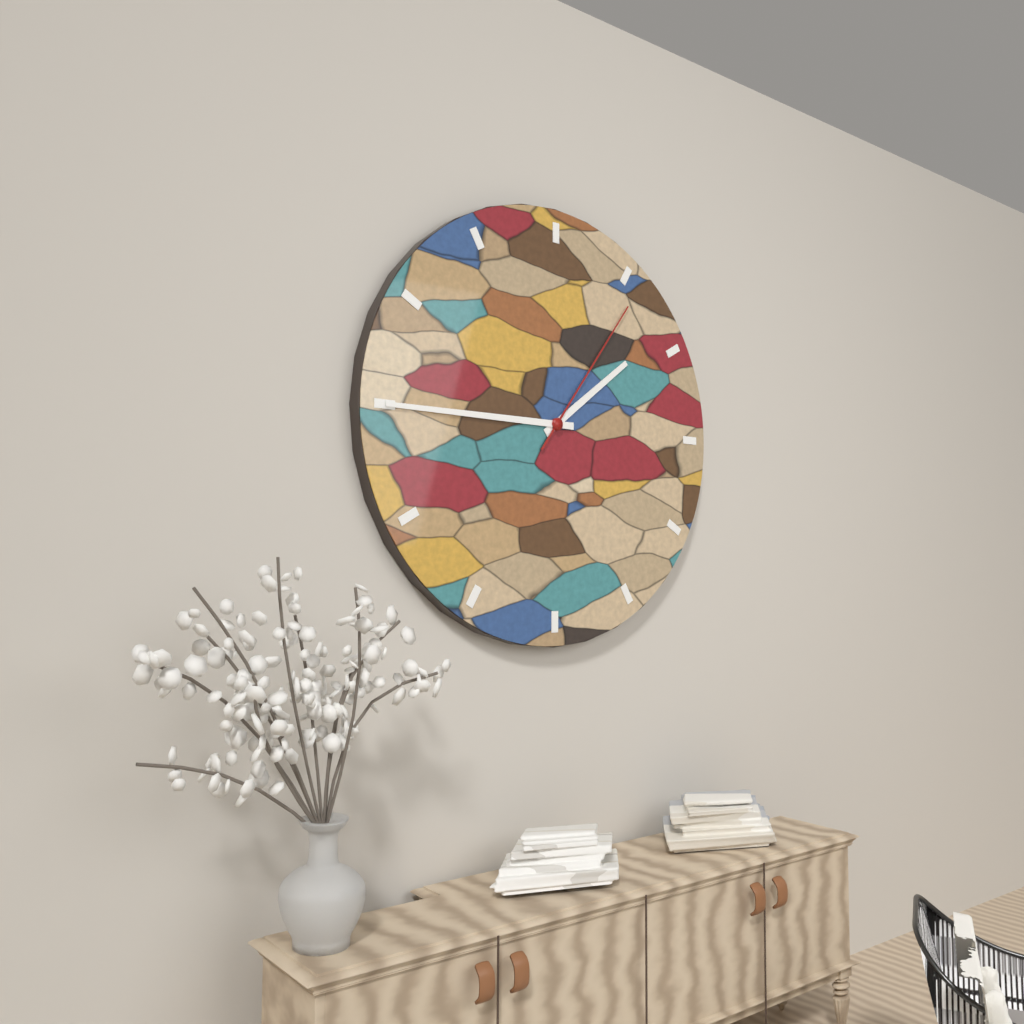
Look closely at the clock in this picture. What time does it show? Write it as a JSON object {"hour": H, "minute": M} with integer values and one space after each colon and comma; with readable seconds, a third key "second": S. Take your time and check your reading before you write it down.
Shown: {"hour": 1, "minute": 45, "second": 6}
